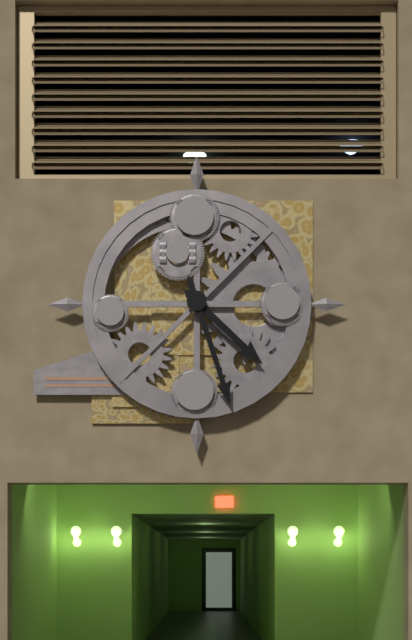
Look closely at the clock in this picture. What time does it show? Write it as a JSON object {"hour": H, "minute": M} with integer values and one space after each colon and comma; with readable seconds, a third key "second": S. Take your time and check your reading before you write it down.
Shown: {"hour": 4, "minute": 27}
